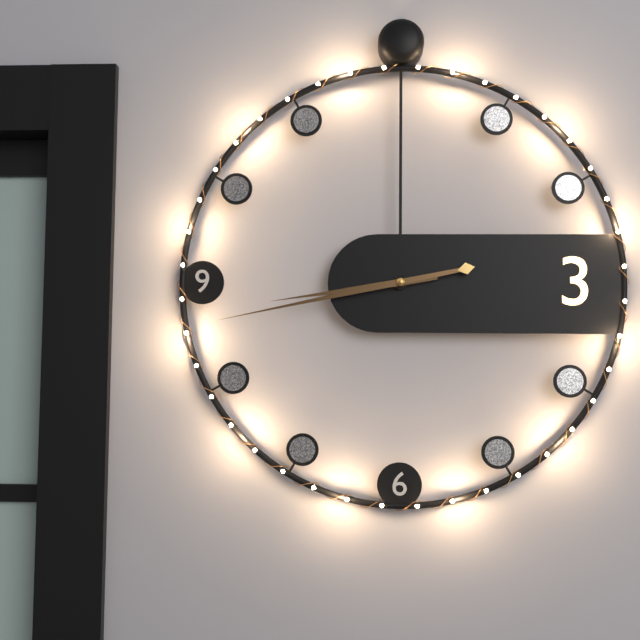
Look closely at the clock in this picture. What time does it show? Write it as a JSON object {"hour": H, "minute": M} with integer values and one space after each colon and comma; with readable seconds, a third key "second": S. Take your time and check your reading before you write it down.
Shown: {"hour": 8, "minute": 43}
